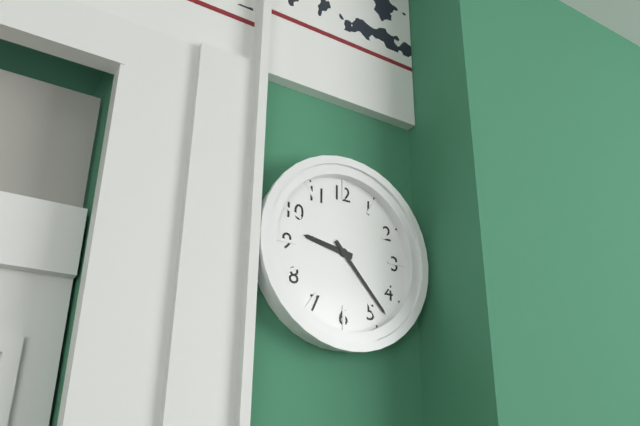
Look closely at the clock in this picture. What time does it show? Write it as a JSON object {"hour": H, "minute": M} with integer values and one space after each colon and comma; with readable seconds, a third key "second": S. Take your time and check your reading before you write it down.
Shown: {"hour": 9, "minute": 23}
